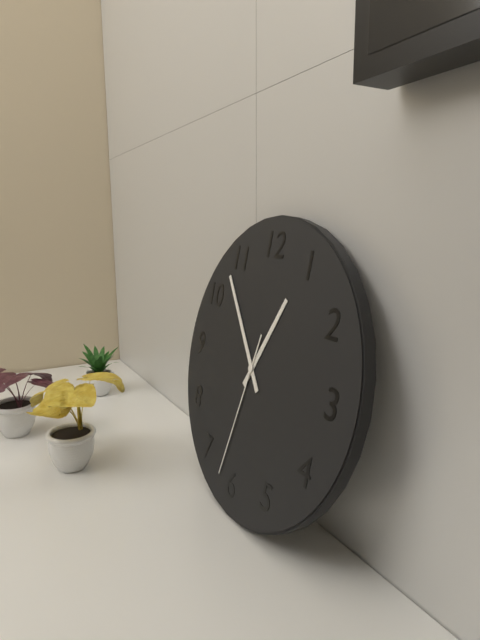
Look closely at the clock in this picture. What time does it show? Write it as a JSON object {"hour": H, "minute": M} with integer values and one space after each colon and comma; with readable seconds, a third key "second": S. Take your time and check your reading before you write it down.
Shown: {"hour": 12, "minute": 53, "second": 32}
